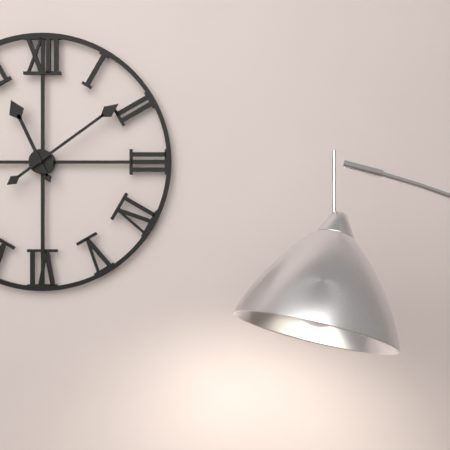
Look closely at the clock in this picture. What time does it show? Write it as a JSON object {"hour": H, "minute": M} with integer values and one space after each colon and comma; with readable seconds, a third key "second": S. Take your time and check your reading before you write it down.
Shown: {"hour": 11, "minute": 9}
